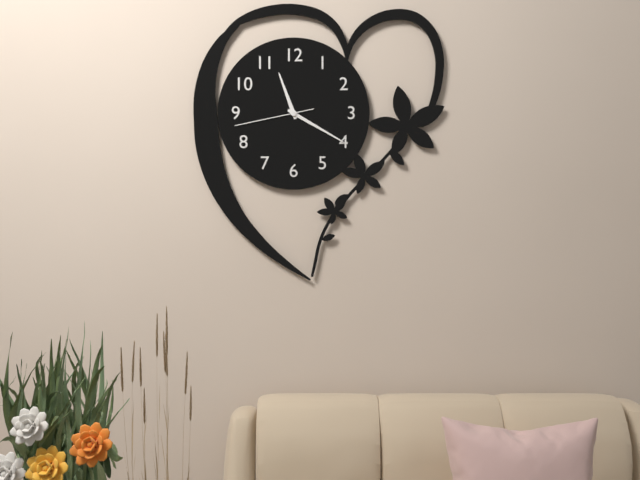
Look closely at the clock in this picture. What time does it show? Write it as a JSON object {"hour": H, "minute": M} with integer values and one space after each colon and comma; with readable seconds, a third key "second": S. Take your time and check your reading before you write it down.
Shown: {"hour": 11, "minute": 20, "second": 43}
